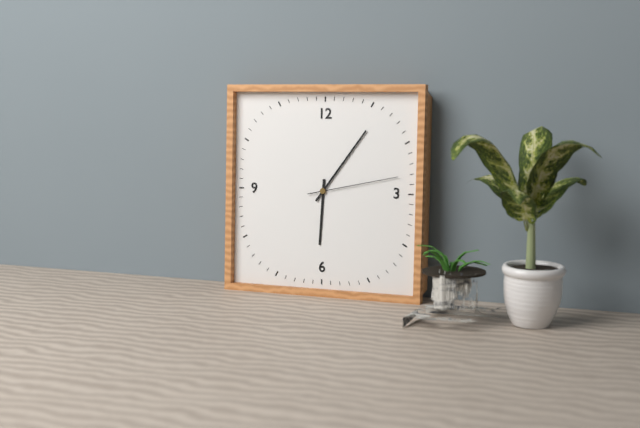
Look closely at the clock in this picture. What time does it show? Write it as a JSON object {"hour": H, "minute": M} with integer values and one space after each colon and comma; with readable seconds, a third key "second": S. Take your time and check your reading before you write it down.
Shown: {"hour": 6, "minute": 6, "second": 13}
